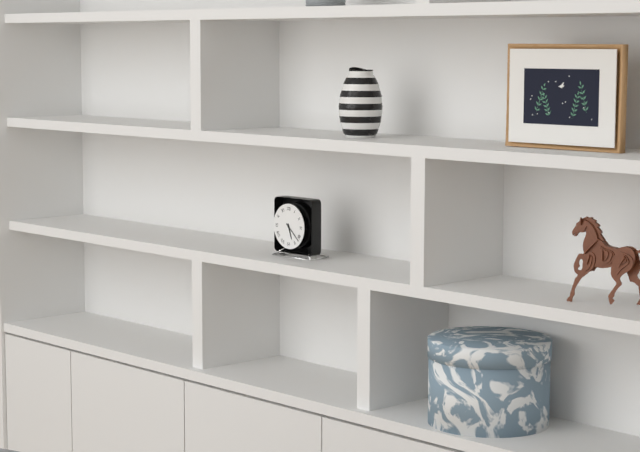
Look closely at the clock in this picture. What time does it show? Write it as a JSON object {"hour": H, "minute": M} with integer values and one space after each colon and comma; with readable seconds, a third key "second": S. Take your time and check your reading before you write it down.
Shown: {"hour": 5, "minute": 22}
